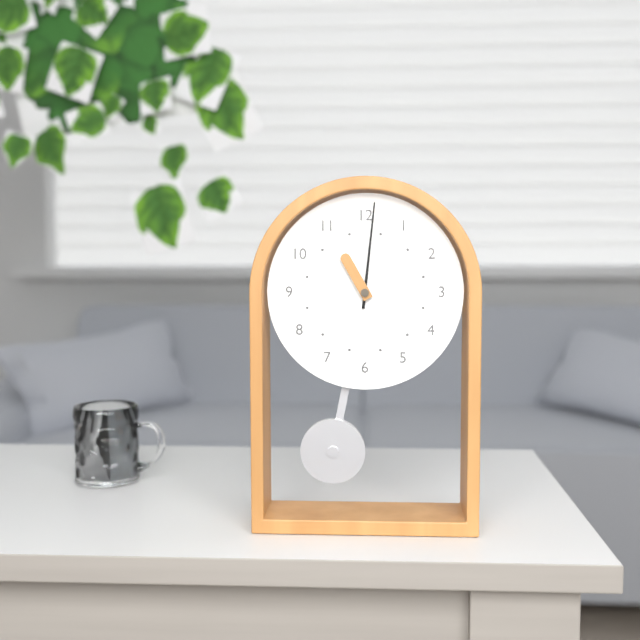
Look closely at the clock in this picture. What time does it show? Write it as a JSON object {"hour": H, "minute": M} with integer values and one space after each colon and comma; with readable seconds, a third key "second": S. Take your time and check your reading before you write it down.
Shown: {"hour": 11, "minute": 1}
